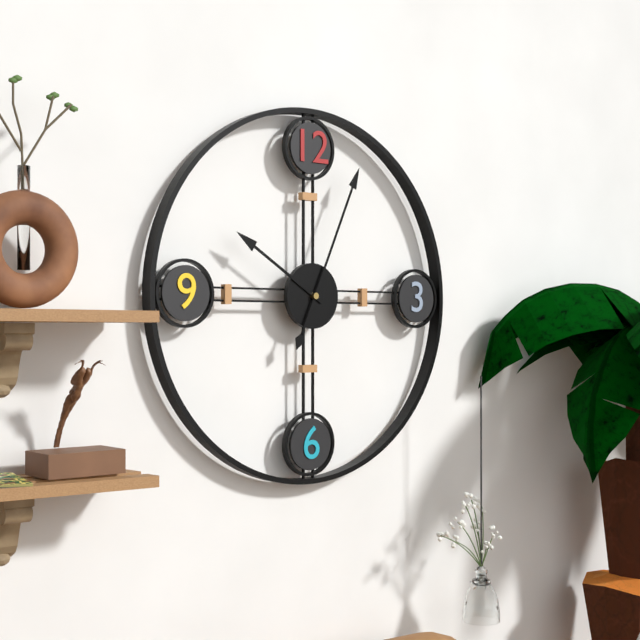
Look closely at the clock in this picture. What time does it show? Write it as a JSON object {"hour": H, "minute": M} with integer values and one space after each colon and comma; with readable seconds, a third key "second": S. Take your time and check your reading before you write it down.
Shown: {"hour": 10, "minute": 4}
